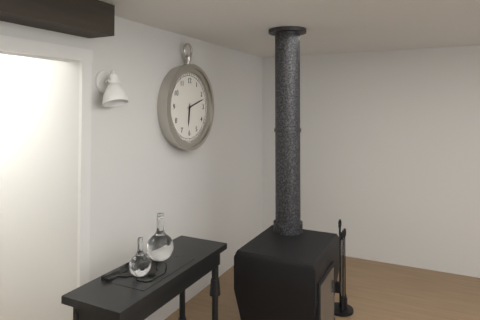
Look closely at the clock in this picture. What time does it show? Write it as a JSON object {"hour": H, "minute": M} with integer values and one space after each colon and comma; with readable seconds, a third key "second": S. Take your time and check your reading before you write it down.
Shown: {"hour": 6, "minute": 12}
